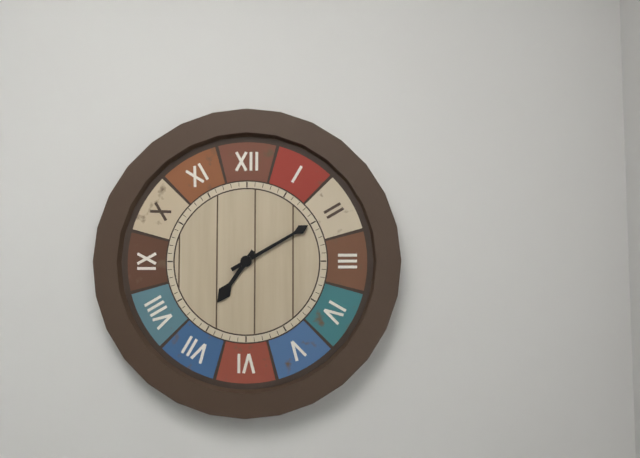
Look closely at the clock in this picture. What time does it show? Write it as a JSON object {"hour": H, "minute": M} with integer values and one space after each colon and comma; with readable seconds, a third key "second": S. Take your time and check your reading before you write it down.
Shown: {"hour": 7, "minute": 10}
